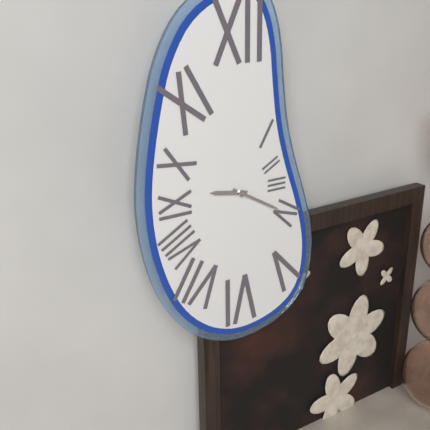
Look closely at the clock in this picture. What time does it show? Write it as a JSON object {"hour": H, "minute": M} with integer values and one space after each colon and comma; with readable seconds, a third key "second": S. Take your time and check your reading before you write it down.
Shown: {"hour": 9, "minute": 20}
